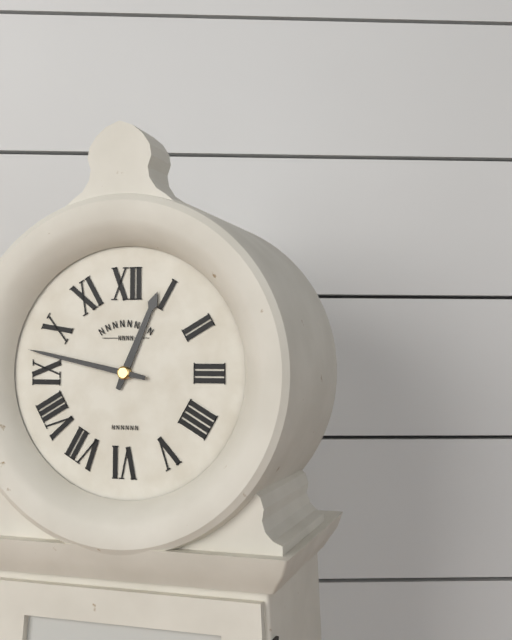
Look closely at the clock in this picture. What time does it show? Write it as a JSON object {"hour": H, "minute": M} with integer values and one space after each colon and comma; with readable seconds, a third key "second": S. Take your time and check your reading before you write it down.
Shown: {"hour": 12, "minute": 47}
